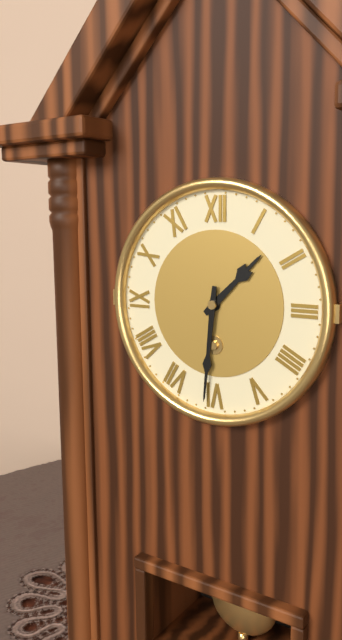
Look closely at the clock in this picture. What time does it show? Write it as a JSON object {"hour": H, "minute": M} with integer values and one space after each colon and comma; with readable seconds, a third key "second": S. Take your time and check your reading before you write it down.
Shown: {"hour": 1, "minute": 31}
